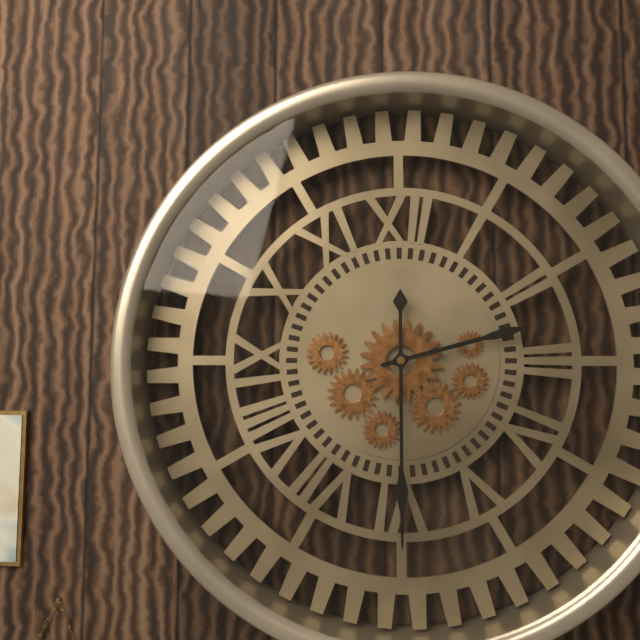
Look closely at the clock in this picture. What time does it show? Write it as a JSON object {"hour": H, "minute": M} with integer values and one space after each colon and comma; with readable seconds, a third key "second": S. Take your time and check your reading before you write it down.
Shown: {"hour": 2, "minute": 30}
